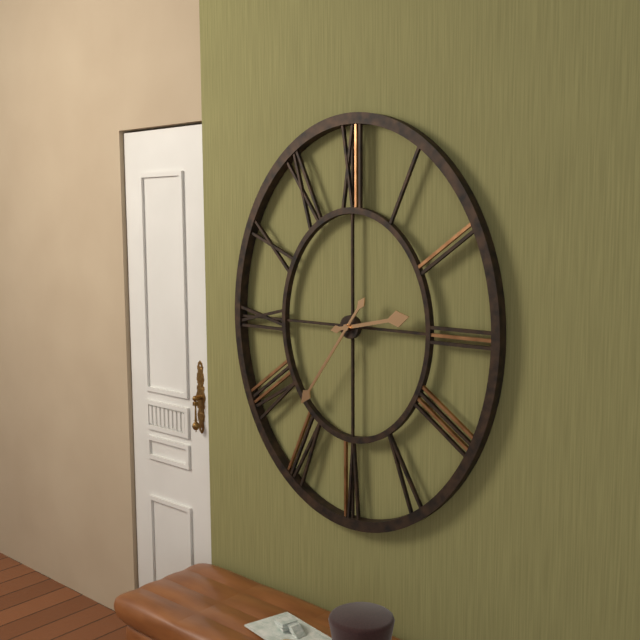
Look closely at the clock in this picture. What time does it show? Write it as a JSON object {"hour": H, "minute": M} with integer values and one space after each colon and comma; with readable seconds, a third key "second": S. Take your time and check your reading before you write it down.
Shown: {"hour": 2, "minute": 36}
